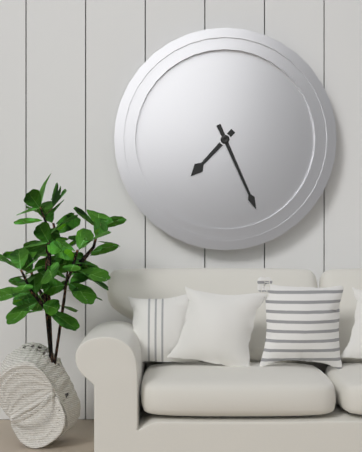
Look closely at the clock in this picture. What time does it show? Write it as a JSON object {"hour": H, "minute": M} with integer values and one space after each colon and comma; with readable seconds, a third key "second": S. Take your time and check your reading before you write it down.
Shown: {"hour": 7, "minute": 26}
